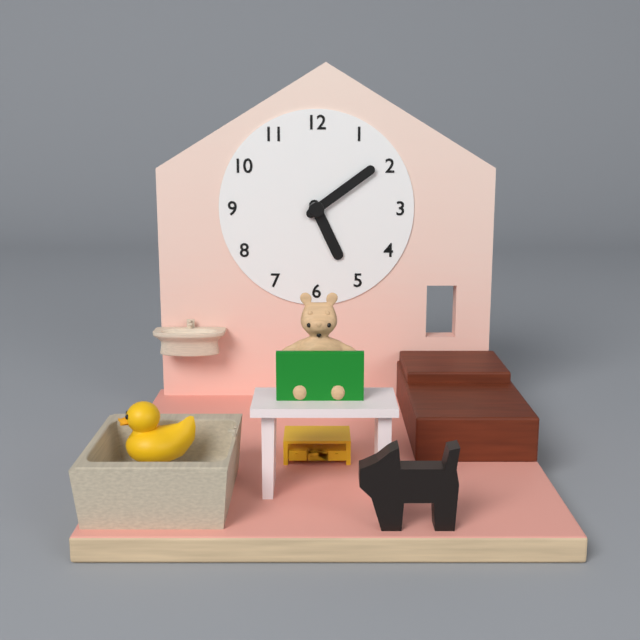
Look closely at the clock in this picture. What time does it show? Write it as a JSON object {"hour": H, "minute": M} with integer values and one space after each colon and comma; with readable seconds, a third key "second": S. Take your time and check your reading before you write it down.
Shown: {"hour": 5, "minute": 9}
